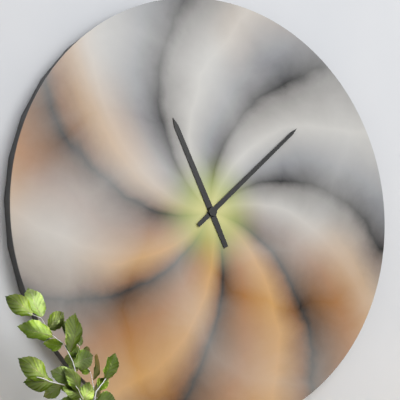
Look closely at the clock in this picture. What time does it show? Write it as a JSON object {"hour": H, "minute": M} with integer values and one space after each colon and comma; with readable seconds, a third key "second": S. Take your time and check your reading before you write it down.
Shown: {"hour": 11, "minute": 8}
